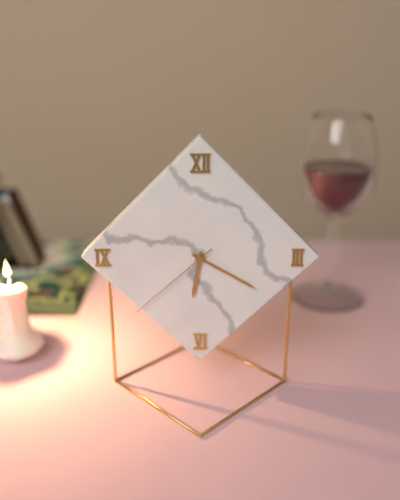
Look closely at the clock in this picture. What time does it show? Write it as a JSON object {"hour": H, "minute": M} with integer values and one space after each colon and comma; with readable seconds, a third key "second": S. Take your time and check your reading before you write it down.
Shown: {"hour": 6, "minute": 20, "second": 38}
